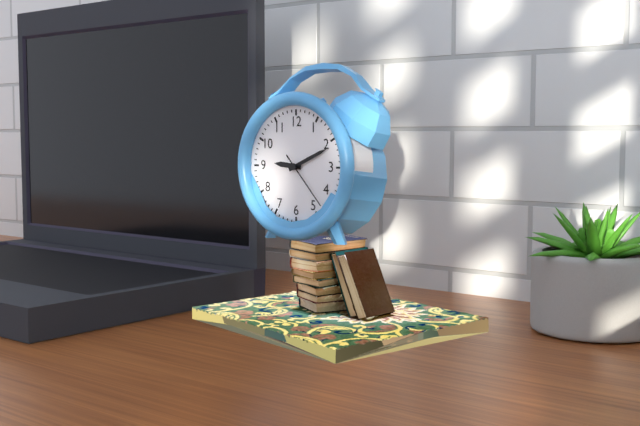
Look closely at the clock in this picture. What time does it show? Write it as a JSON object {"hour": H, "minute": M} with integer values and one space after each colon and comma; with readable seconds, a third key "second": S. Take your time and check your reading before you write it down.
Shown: {"hour": 9, "minute": 11, "second": 23}
